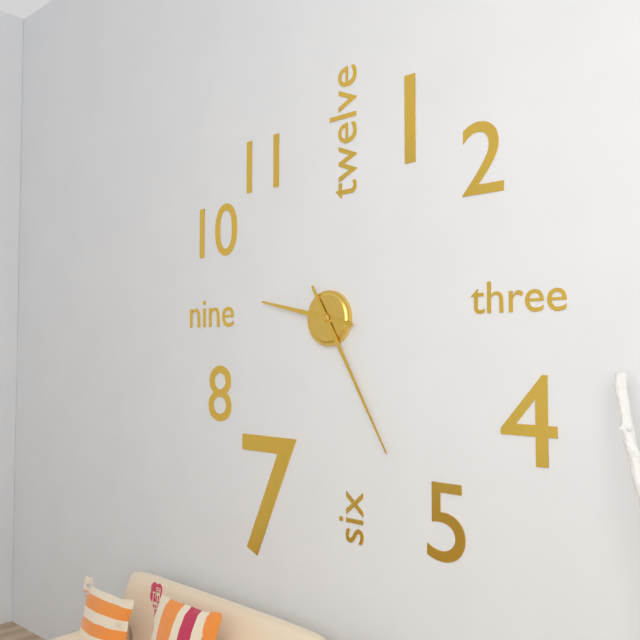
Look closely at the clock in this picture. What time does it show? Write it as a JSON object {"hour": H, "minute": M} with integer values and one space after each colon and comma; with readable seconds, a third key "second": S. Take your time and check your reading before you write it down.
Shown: {"hour": 9, "minute": 25}
